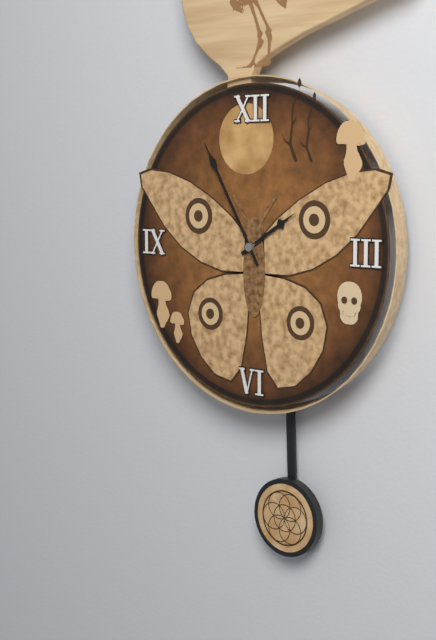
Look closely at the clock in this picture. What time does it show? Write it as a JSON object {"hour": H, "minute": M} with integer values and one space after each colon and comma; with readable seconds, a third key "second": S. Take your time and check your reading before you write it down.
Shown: {"hour": 1, "minute": 55}
